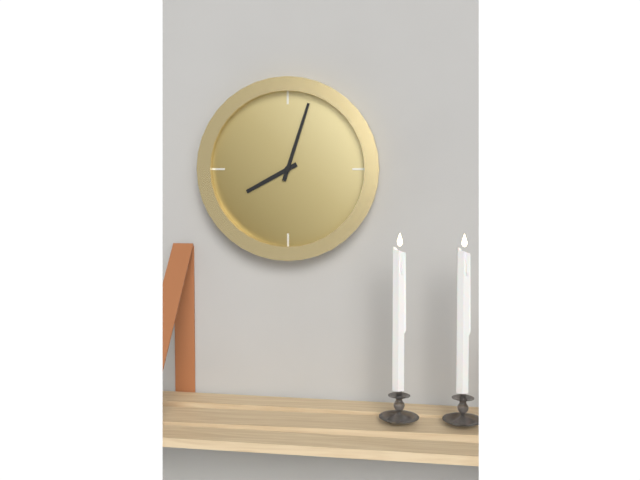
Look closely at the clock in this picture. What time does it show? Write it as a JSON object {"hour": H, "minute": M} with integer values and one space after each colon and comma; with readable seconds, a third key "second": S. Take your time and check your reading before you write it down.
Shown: {"hour": 8, "minute": 3}
